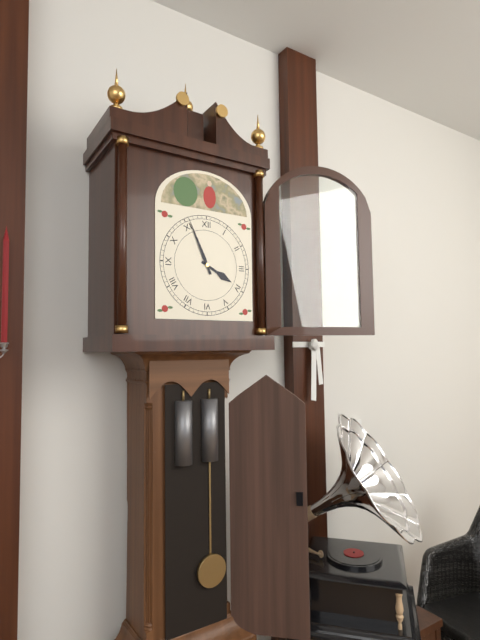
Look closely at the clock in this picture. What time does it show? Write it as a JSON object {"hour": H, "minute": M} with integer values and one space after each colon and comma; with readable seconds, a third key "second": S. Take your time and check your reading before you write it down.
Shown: {"hour": 3, "minute": 56}
